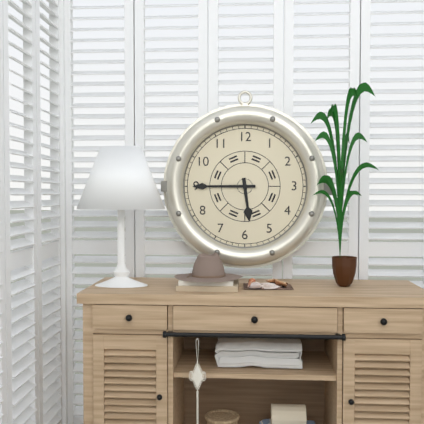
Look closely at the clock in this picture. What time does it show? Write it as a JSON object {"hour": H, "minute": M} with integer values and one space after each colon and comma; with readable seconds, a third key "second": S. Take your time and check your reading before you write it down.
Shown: {"hour": 5, "minute": 45}
